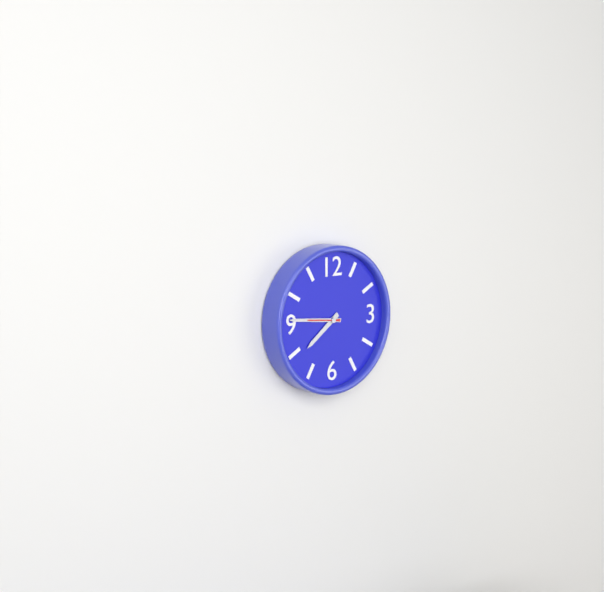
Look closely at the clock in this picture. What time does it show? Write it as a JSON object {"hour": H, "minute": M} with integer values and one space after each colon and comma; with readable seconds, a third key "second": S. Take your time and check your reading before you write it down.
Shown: {"hour": 7, "minute": 46}
